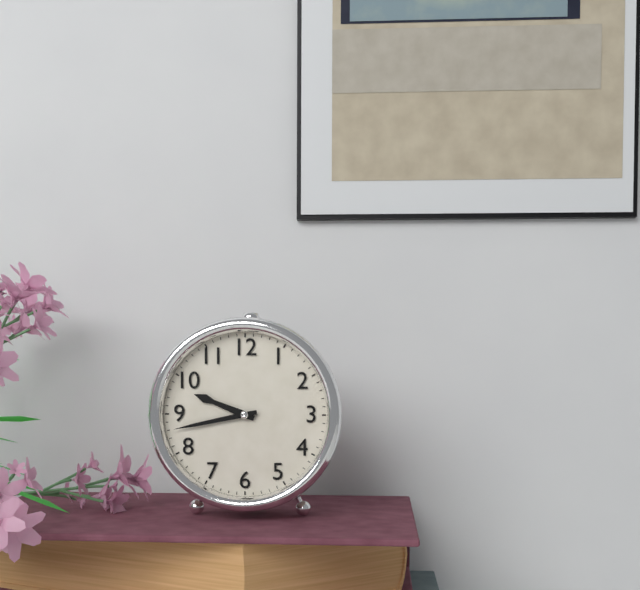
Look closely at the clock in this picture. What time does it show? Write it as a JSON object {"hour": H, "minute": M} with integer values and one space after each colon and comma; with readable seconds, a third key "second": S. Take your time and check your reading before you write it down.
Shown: {"hour": 9, "minute": 43}
